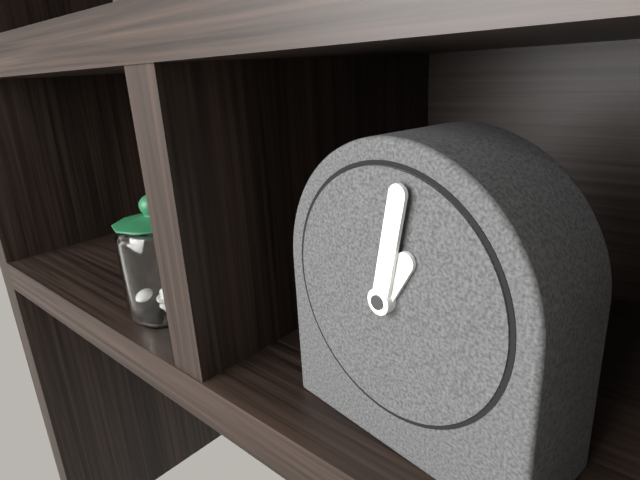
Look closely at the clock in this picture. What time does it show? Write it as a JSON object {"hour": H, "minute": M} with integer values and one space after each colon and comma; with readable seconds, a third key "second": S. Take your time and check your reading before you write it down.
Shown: {"hour": 1, "minute": 2}
